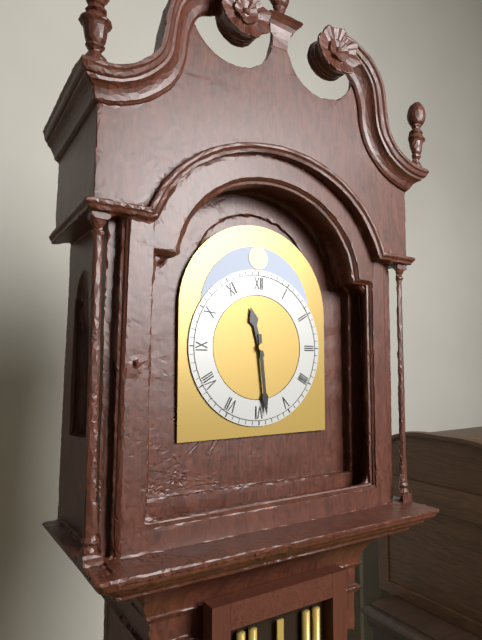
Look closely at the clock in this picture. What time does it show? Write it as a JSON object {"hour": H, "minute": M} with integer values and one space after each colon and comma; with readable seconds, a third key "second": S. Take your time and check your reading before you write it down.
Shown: {"hour": 11, "minute": 29}
